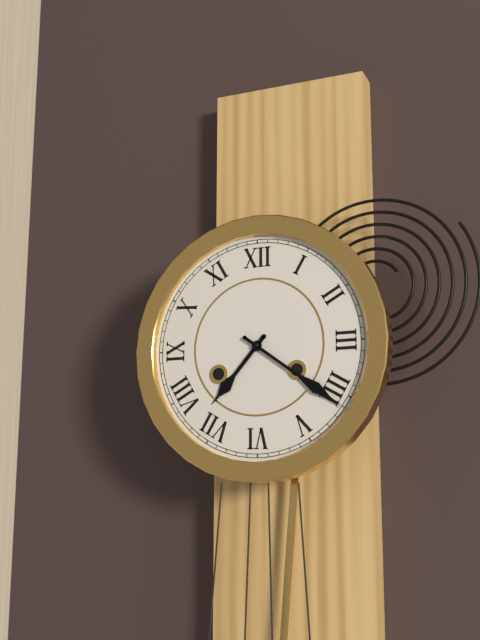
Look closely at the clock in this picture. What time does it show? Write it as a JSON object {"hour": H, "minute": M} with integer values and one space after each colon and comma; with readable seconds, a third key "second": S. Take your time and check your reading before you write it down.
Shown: {"hour": 7, "minute": 21}
